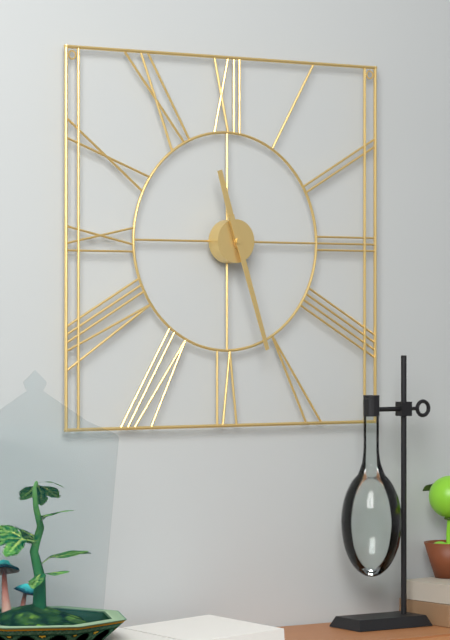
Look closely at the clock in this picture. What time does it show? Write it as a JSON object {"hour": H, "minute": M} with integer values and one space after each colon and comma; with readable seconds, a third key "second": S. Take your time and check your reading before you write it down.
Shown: {"hour": 11, "minute": 27}
